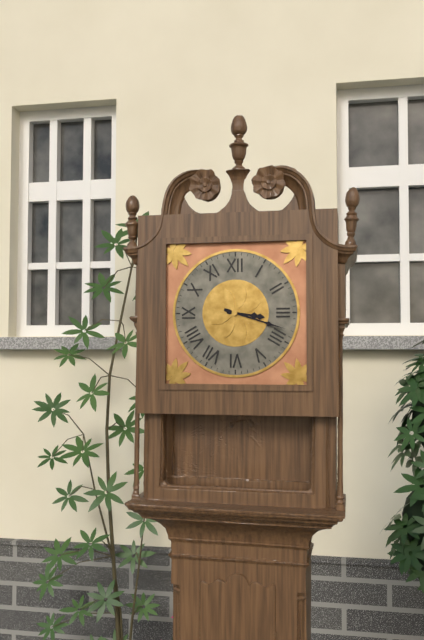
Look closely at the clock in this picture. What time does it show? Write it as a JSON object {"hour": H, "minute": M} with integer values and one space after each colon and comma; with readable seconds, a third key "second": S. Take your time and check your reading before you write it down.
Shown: {"hour": 3, "minute": 18}
